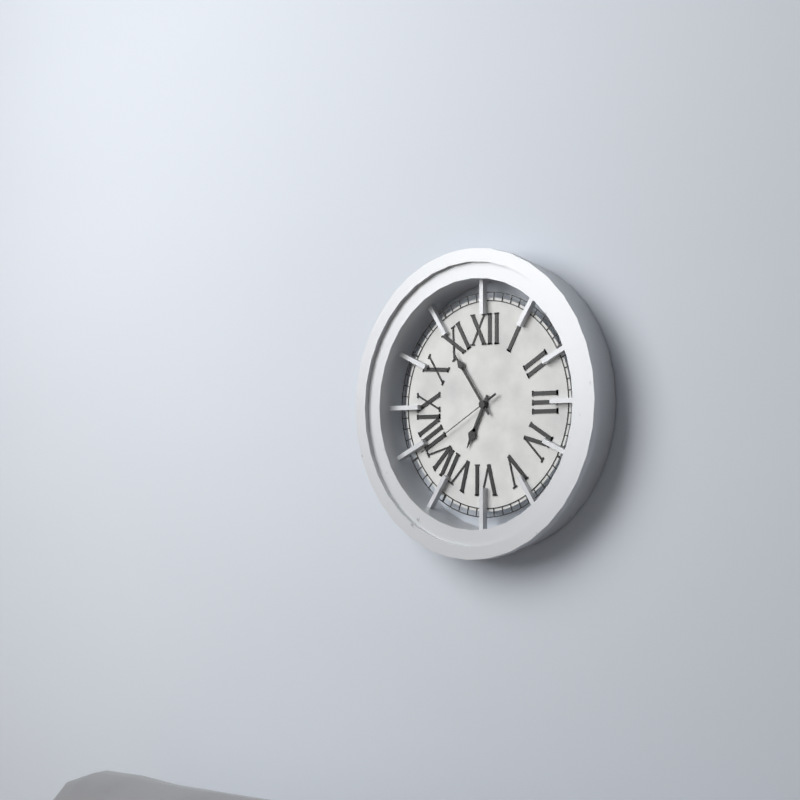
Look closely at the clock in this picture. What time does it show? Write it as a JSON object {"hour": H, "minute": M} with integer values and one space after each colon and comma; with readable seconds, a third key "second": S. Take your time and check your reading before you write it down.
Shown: {"hour": 6, "minute": 54, "second": 40}
